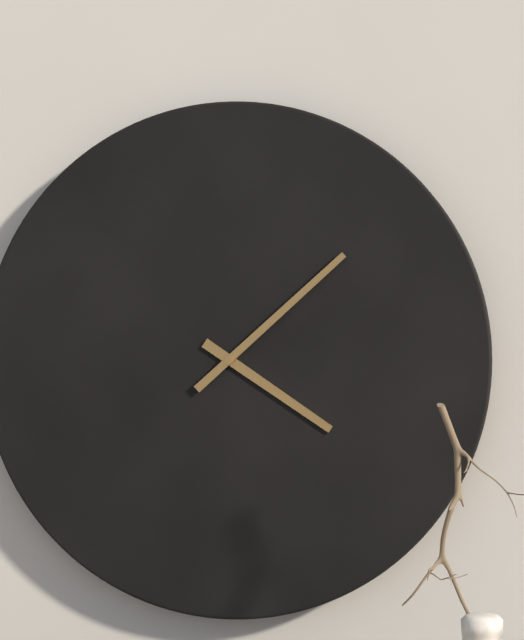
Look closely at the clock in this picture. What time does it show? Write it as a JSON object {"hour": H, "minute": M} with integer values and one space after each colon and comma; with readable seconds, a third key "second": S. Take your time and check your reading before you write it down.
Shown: {"hour": 4, "minute": 8}
